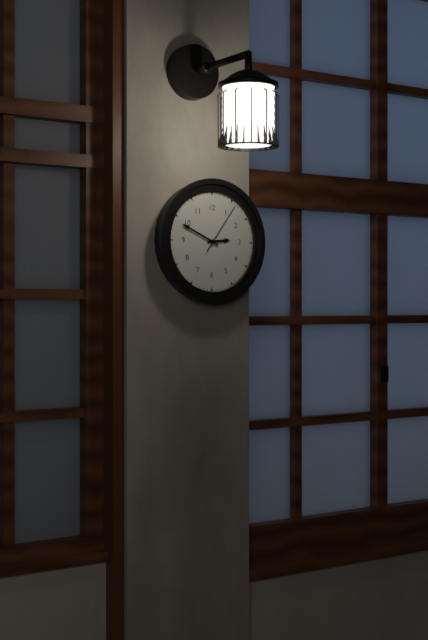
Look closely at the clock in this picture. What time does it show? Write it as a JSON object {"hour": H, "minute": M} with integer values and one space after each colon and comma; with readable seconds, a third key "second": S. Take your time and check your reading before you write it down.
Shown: {"hour": 2, "minute": 49, "second": 6}
